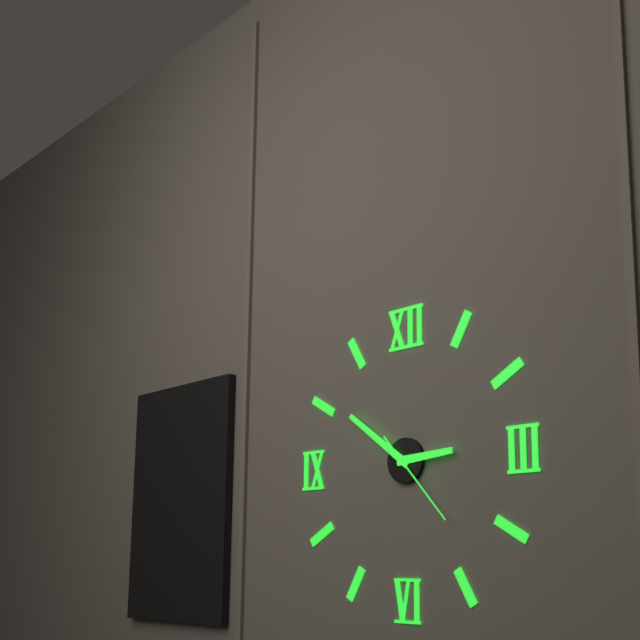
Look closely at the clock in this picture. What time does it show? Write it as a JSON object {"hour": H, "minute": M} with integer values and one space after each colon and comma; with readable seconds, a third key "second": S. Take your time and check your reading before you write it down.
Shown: {"hour": 2, "minute": 51, "second": 23}
